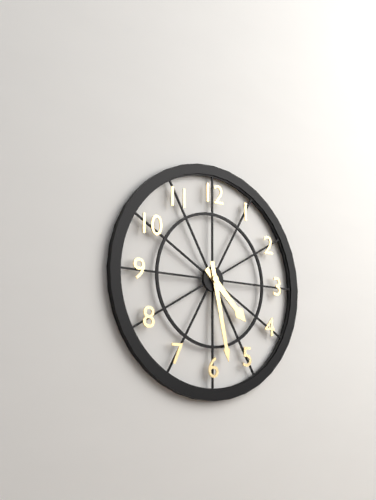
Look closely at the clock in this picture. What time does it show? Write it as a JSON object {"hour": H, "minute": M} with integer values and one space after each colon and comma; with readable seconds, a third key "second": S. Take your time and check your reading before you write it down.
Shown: {"hour": 4, "minute": 28}
